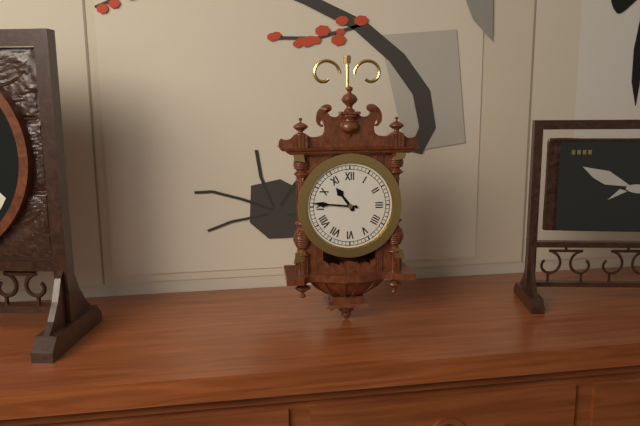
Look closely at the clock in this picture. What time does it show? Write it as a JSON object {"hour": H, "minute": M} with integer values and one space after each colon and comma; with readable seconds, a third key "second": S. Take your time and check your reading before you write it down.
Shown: {"hour": 10, "minute": 46}
